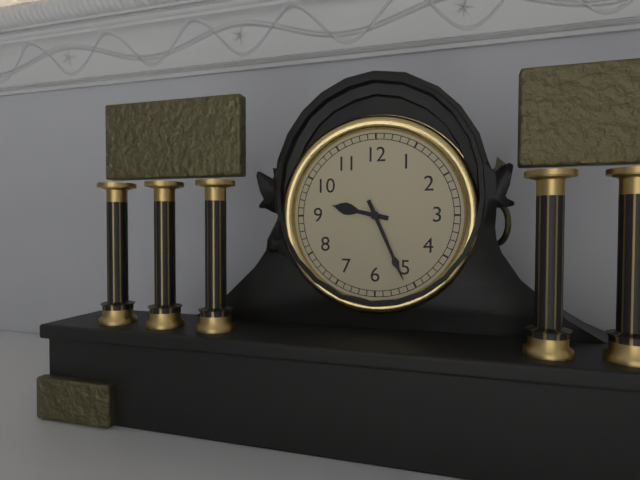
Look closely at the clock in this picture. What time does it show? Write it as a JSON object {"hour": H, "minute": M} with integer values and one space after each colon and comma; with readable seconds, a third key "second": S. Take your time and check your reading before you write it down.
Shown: {"hour": 9, "minute": 26}
